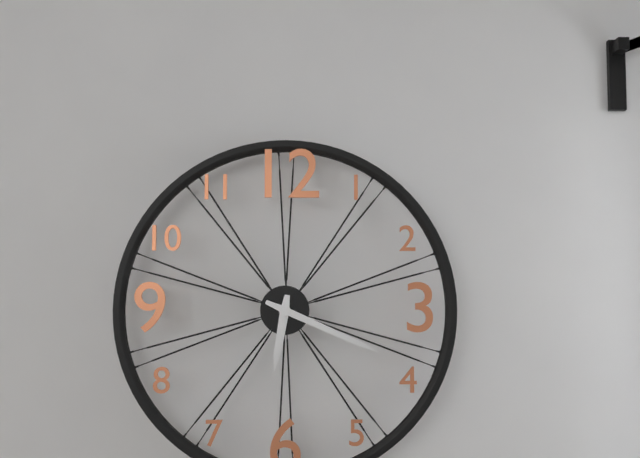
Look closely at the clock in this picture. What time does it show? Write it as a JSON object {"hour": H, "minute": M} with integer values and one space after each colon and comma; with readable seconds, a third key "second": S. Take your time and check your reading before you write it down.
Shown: {"hour": 6, "minute": 19}
